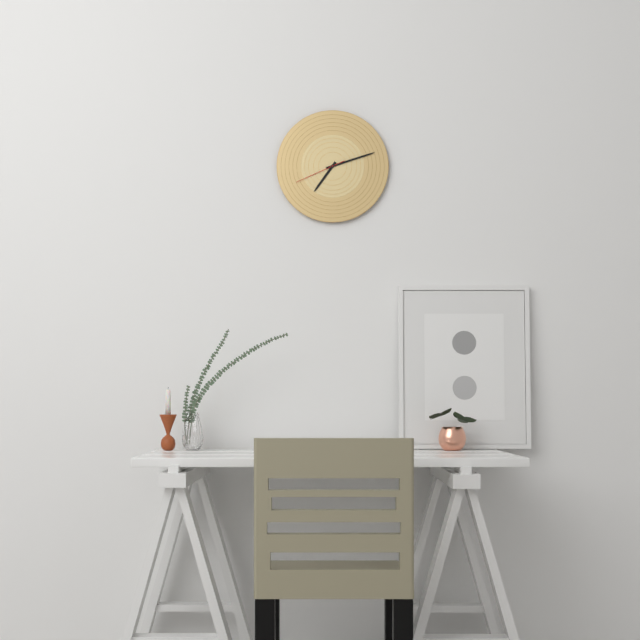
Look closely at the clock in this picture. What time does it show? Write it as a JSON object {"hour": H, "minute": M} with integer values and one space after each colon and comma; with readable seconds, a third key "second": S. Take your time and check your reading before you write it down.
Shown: {"hour": 7, "minute": 12}
